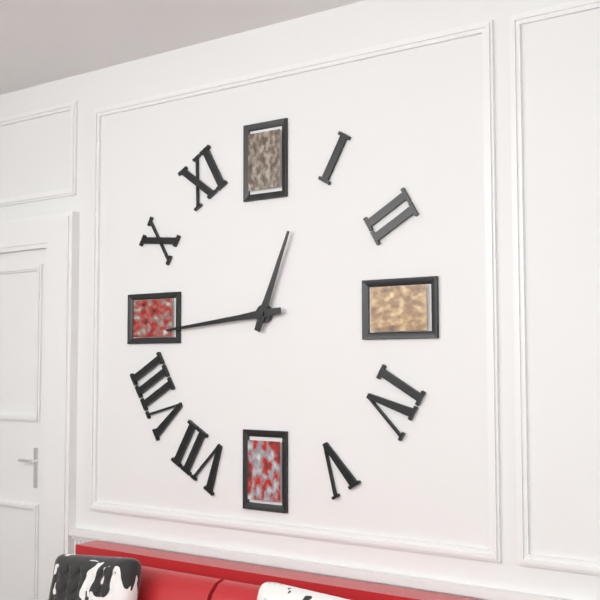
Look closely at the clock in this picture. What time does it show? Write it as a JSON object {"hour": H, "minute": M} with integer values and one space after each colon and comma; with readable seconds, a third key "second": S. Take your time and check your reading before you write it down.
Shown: {"hour": 12, "minute": 44}
